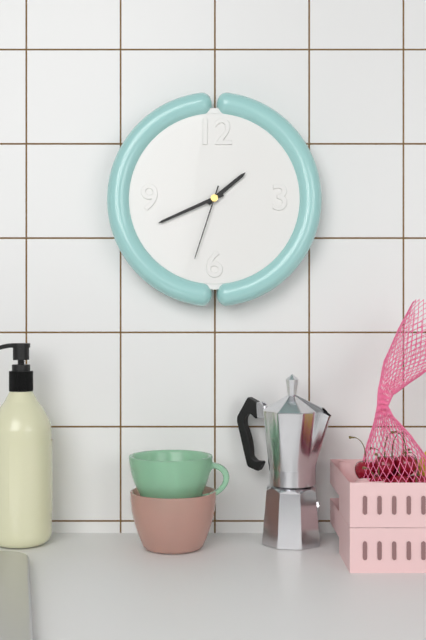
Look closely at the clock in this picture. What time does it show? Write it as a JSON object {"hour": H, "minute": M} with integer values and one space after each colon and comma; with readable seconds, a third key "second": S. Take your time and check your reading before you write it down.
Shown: {"hour": 1, "minute": 41, "second": 33}
